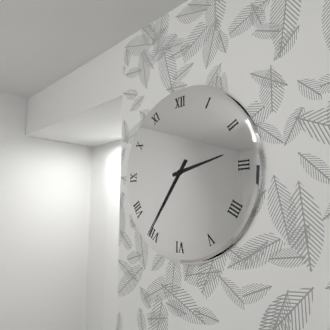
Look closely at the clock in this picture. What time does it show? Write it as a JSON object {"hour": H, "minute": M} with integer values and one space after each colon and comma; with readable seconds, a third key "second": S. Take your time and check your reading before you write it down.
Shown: {"hour": 2, "minute": 36}
